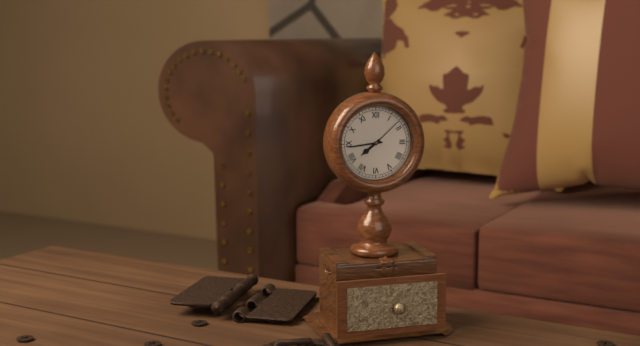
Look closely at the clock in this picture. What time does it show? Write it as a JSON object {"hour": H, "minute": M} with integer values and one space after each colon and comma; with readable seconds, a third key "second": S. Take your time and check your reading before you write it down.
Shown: {"hour": 7, "minute": 44}
